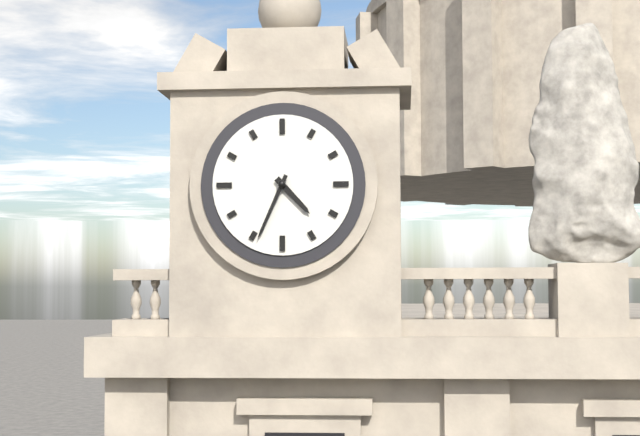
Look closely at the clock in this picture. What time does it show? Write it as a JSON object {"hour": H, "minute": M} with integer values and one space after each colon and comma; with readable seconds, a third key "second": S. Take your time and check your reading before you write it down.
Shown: {"hour": 4, "minute": 34}
